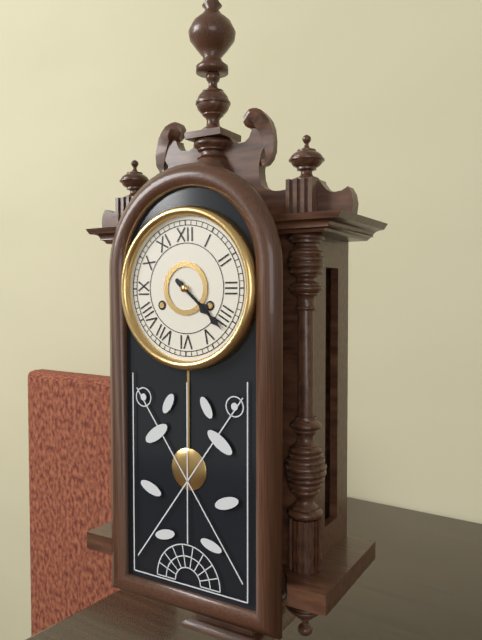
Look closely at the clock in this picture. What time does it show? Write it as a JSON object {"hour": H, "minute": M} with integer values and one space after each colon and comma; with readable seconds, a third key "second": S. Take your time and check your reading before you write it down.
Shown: {"hour": 4, "minute": 22}
